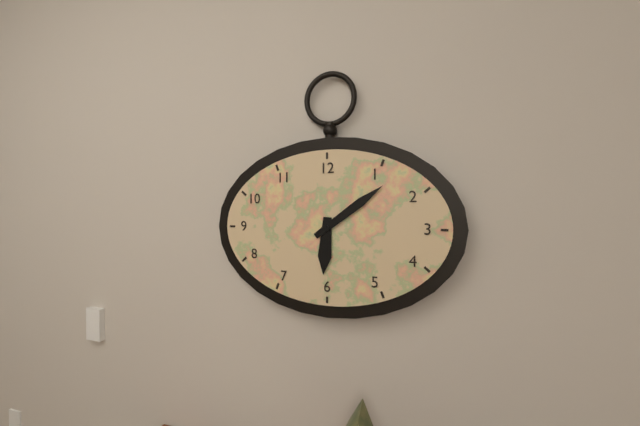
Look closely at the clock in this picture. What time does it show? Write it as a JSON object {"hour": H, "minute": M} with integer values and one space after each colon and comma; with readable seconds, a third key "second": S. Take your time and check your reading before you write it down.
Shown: {"hour": 6, "minute": 9}
